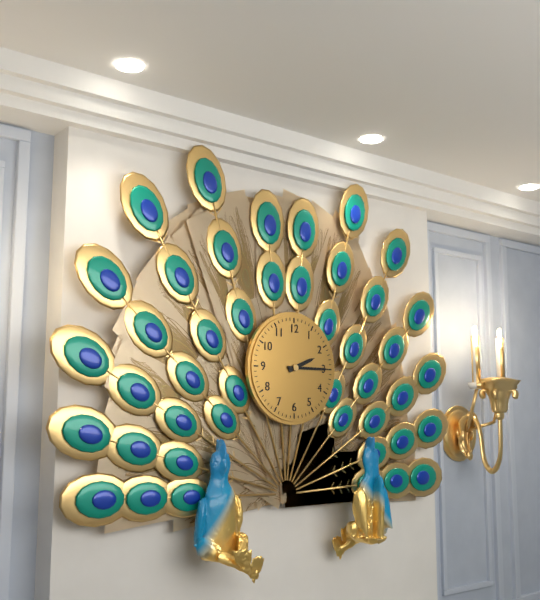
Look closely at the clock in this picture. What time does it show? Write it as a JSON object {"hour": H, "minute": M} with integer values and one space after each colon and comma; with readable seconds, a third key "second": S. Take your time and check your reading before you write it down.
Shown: {"hour": 2, "minute": 15}
